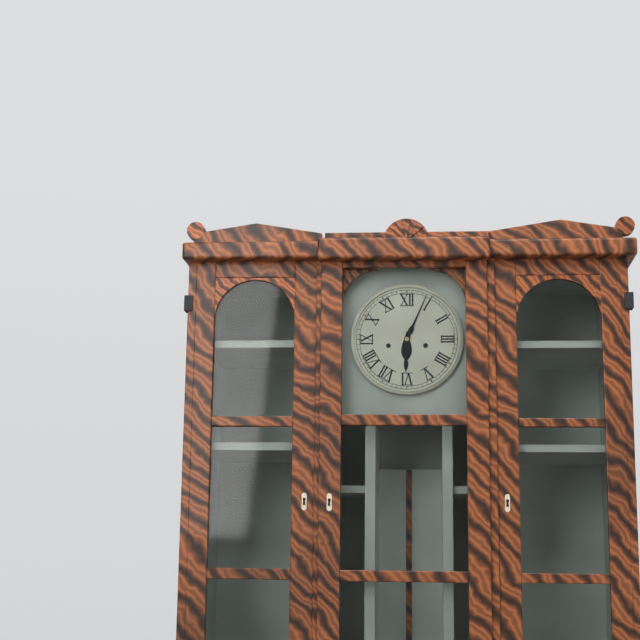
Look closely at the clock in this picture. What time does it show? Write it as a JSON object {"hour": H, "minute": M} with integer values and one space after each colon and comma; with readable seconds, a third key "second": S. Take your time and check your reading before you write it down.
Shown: {"hour": 6, "minute": 4}
